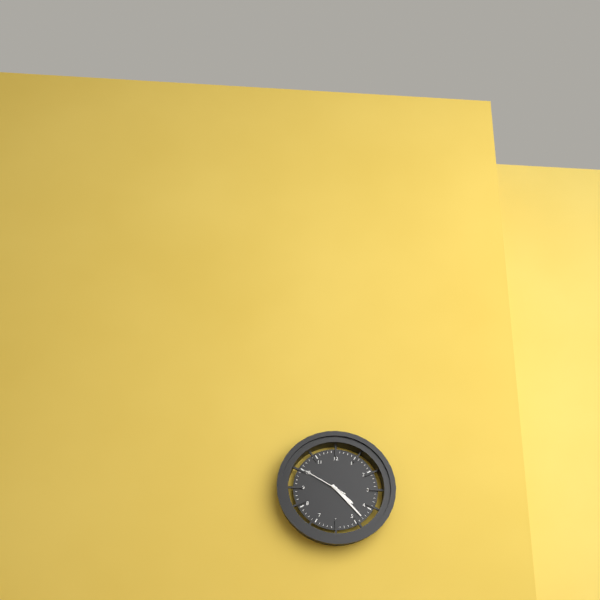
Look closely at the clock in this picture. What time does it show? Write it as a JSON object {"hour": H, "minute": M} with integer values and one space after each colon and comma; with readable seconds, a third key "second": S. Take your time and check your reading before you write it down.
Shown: {"hour": 4, "minute": 23}
